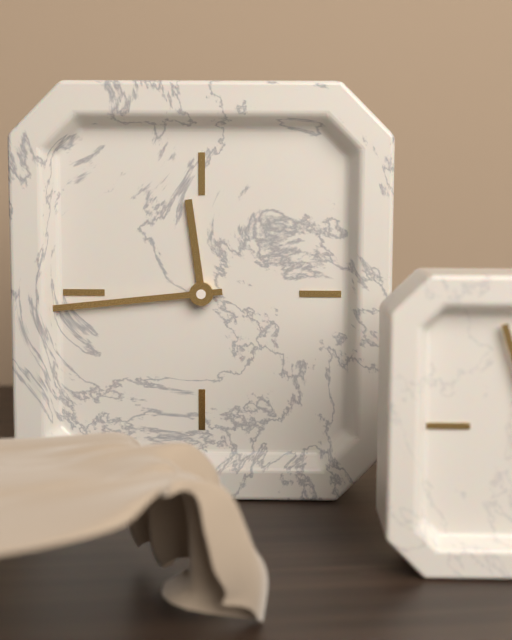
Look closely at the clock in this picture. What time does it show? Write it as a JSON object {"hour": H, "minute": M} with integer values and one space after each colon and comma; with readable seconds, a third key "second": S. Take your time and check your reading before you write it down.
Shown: {"hour": 11, "minute": 44}
